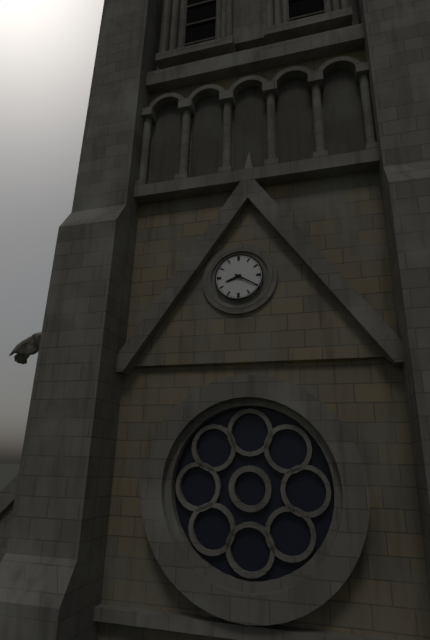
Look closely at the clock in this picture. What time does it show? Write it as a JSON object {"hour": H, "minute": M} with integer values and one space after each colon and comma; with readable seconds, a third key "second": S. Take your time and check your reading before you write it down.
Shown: {"hour": 8, "minute": 20}
